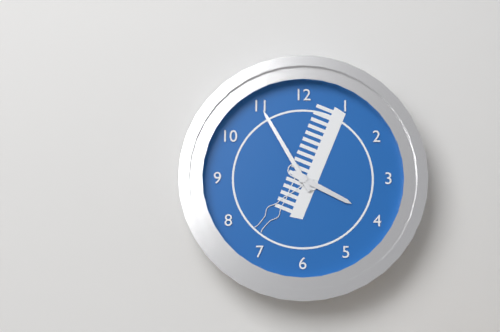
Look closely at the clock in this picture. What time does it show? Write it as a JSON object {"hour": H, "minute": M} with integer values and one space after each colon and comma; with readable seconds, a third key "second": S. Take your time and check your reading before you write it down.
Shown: {"hour": 3, "minute": 55}
